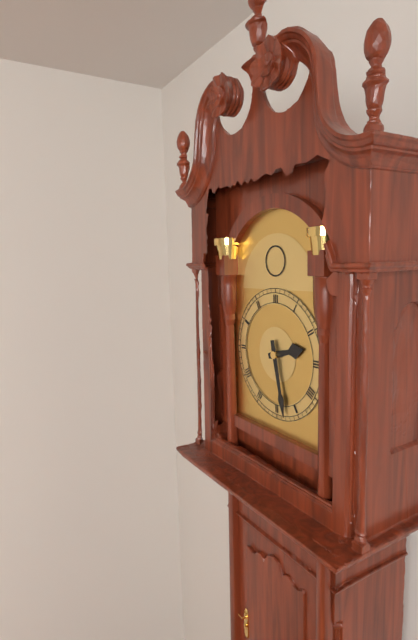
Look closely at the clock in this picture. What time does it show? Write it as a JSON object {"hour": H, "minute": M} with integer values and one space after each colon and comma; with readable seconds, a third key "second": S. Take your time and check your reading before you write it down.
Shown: {"hour": 2, "minute": 28}
